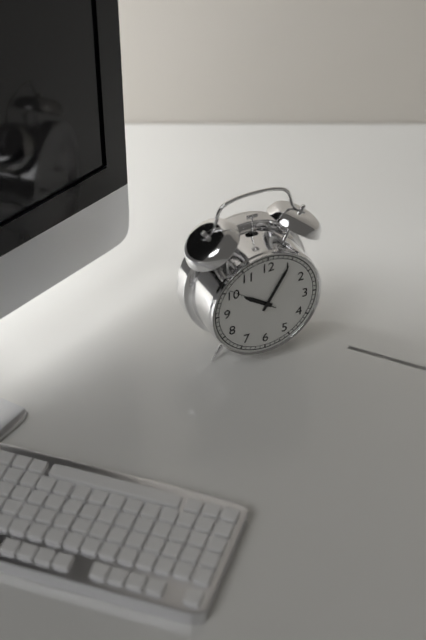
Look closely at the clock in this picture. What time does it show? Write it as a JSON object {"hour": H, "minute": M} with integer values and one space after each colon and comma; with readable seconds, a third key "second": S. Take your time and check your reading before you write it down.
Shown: {"hour": 10, "minute": 5}
